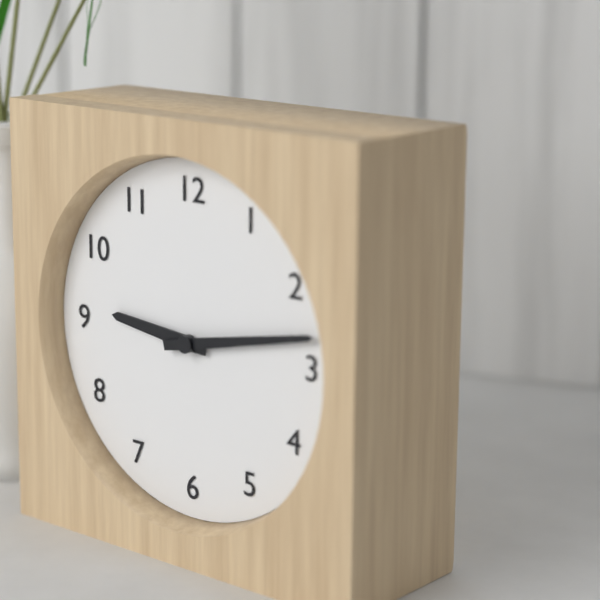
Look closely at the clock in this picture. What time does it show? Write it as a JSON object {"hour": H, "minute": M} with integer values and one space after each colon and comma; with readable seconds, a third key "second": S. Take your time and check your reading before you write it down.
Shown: {"hour": 9, "minute": 13}
